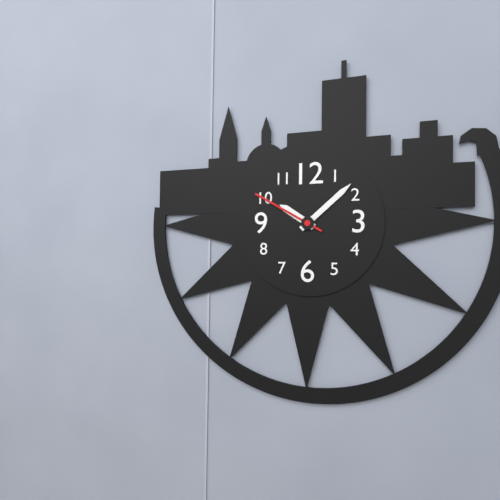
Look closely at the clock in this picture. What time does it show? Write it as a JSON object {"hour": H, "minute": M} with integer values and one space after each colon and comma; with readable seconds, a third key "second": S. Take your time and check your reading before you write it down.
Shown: {"hour": 10, "minute": 8, "second": 50}
